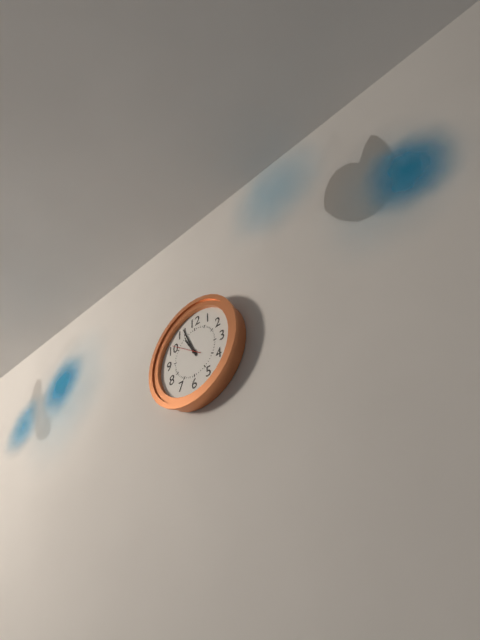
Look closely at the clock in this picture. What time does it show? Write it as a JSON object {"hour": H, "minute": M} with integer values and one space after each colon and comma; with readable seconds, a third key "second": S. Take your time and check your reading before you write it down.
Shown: {"hour": 10, "minute": 56}
